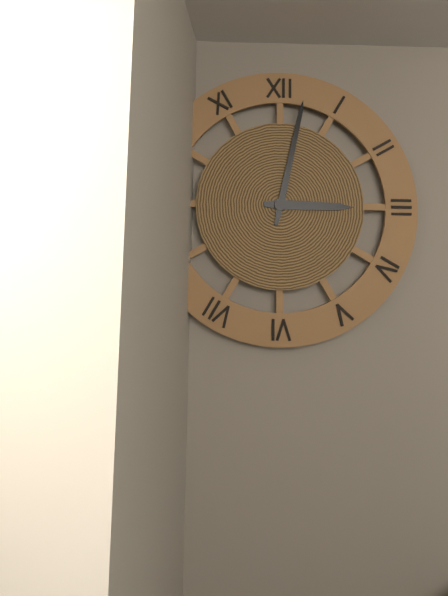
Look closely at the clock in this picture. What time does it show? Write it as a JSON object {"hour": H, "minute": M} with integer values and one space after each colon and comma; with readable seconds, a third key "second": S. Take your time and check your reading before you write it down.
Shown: {"hour": 3, "minute": 2}
